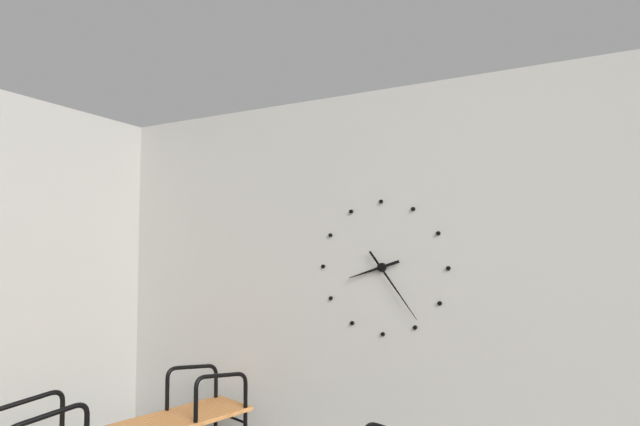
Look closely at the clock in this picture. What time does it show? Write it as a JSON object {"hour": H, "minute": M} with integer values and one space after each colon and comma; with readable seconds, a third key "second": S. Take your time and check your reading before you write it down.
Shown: {"hour": 8, "minute": 24}
